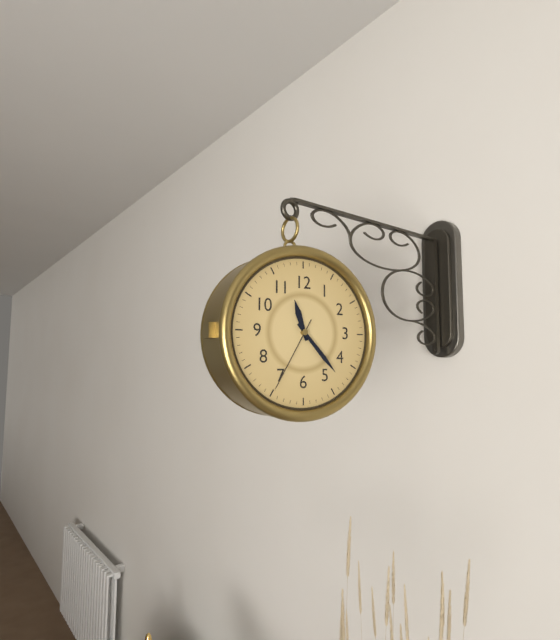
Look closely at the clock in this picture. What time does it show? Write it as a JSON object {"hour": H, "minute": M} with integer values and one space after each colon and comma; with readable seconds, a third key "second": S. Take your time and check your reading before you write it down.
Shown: {"hour": 11, "minute": 23, "second": 35}
